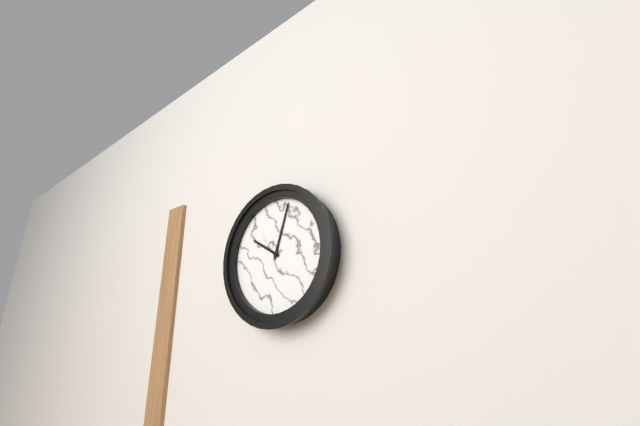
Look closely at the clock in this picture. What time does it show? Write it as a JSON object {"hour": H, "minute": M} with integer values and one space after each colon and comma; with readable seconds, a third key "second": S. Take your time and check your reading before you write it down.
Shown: {"hour": 10, "minute": 3}
